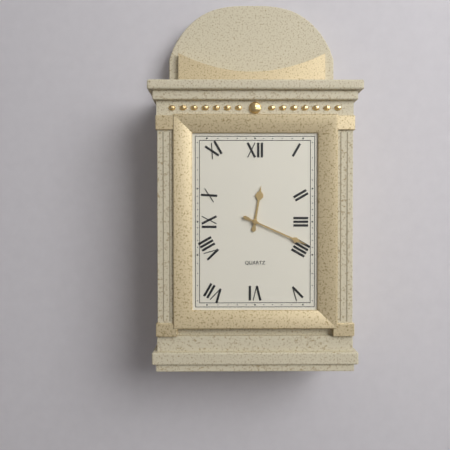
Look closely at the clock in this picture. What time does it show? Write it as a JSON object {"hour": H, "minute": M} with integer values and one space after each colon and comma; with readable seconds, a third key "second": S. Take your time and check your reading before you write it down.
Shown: {"hour": 12, "minute": 19}
